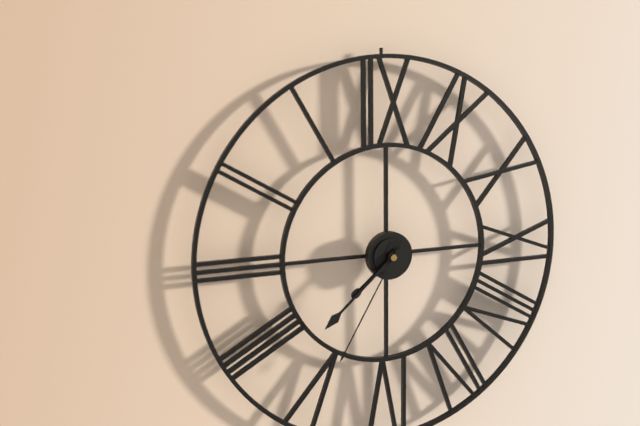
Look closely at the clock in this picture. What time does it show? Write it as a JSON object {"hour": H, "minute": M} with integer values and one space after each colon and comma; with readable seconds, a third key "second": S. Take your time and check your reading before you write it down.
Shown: {"hour": 7, "minute": 38, "second": 35}
